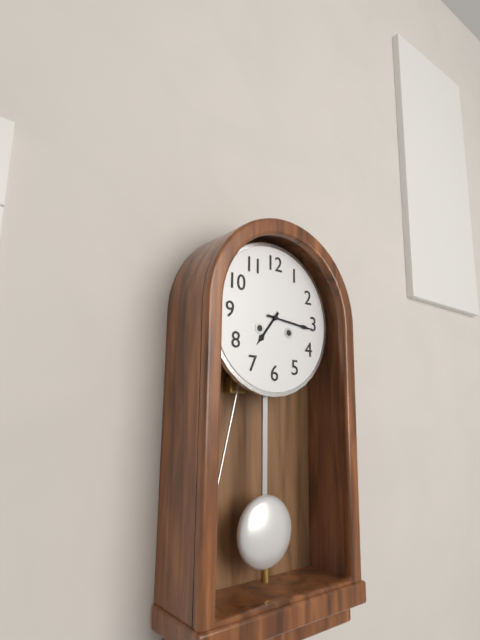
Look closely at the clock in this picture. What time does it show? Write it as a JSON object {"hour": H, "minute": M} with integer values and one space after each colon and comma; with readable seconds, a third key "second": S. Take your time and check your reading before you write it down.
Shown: {"hour": 7, "minute": 16}
